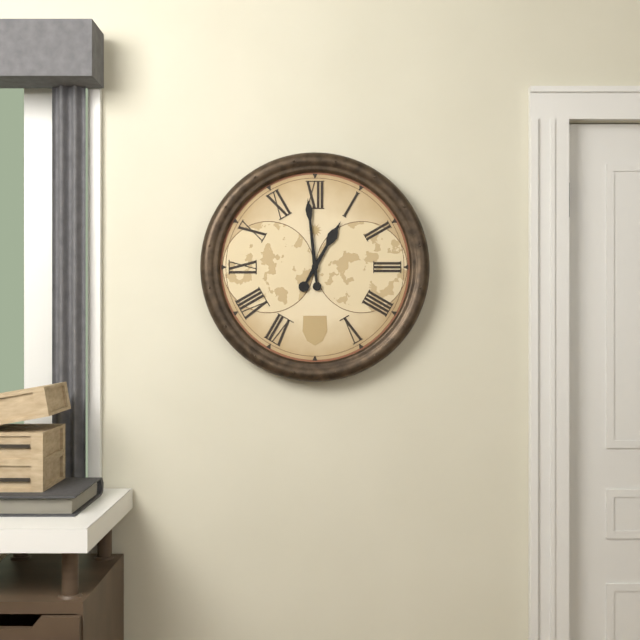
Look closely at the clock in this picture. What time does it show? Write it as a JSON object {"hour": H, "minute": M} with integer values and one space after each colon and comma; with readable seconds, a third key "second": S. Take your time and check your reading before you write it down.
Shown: {"hour": 12, "minute": 59}
